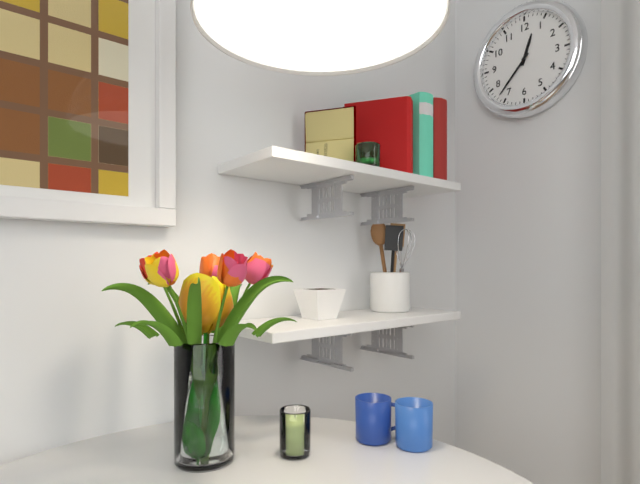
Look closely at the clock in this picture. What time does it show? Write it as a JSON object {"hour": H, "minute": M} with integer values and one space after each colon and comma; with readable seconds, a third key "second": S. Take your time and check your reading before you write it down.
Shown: {"hour": 12, "minute": 37}
